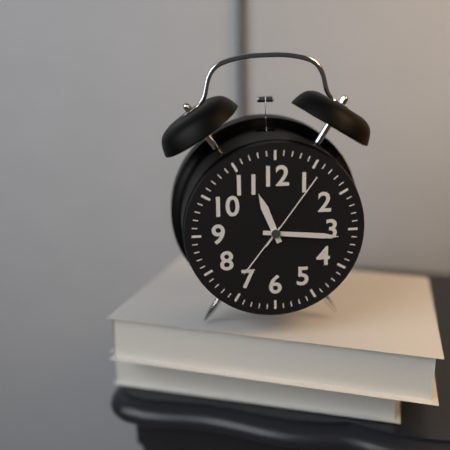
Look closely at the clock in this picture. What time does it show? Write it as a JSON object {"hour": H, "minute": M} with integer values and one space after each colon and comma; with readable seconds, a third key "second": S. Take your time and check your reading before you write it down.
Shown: {"hour": 11, "minute": 16, "second": 6}
